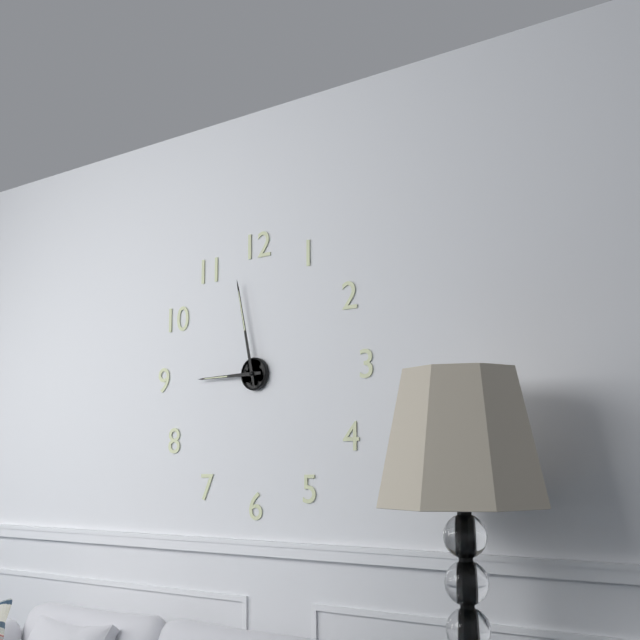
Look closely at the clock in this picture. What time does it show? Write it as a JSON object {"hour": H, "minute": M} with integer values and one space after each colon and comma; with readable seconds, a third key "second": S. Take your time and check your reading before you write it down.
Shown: {"hour": 8, "minute": 58}
